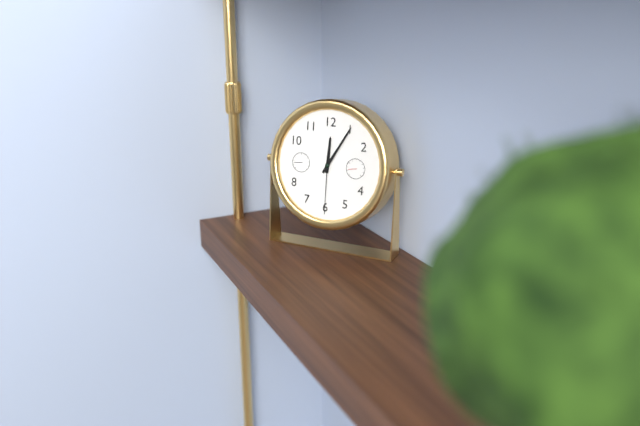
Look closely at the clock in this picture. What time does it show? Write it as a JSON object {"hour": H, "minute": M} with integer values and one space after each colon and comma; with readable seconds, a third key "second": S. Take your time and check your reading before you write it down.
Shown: {"hour": 12, "minute": 5, "second": 30}
